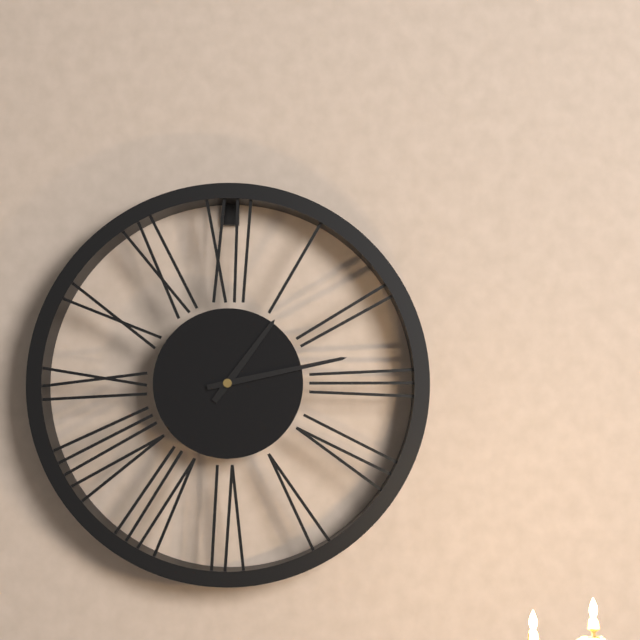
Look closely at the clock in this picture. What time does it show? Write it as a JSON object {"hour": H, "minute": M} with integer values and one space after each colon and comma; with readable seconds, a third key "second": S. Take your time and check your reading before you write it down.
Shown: {"hour": 1, "minute": 13}
